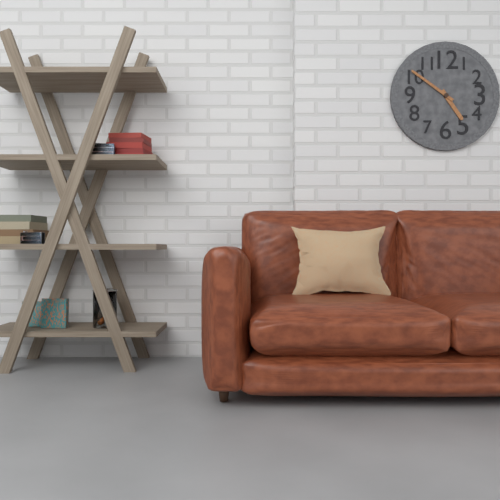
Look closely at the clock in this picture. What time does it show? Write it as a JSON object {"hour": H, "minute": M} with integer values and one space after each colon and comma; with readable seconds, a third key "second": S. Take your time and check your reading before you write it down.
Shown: {"hour": 4, "minute": 51}
